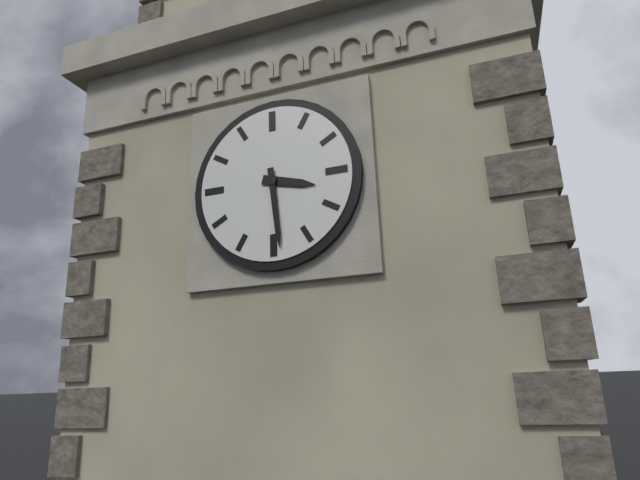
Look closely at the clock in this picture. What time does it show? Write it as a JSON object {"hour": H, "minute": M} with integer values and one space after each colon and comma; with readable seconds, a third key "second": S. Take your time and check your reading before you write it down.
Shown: {"hour": 3, "minute": 29}
